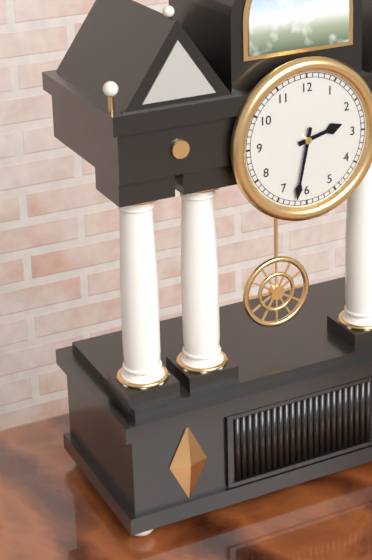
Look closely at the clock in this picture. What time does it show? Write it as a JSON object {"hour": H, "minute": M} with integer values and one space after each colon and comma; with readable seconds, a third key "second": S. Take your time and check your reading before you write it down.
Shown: {"hour": 2, "minute": 32}
